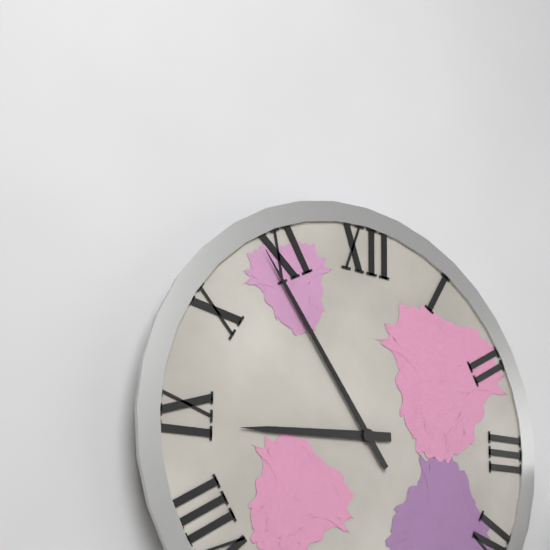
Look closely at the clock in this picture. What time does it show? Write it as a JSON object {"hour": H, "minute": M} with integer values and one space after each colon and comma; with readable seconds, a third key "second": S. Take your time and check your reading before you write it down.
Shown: {"hour": 8, "minute": 54}
